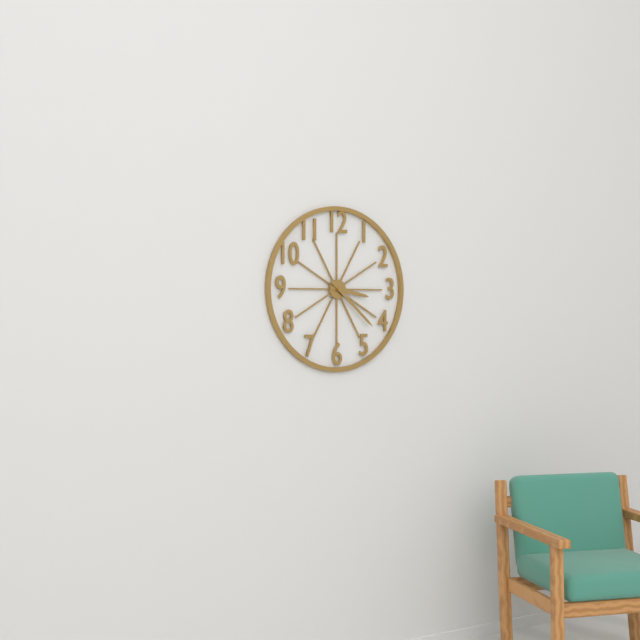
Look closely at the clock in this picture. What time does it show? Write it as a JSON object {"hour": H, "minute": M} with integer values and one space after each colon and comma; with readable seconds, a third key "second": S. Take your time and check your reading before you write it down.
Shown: {"hour": 3, "minute": 22}
